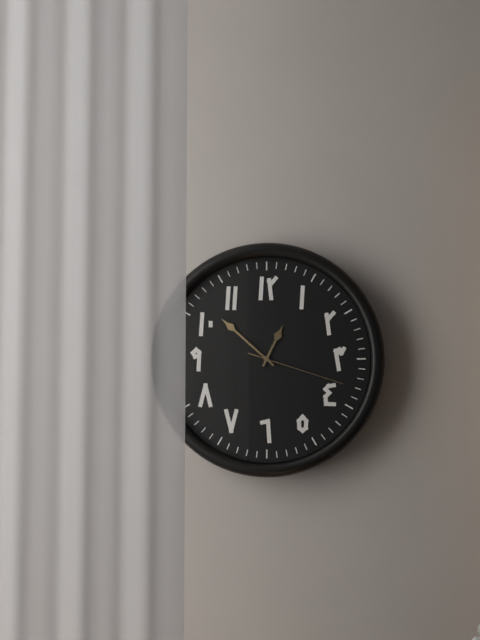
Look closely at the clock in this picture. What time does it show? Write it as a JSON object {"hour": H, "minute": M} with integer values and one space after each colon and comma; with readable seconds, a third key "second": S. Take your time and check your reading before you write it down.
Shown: {"hour": 12, "minute": 52, "second": 18}
